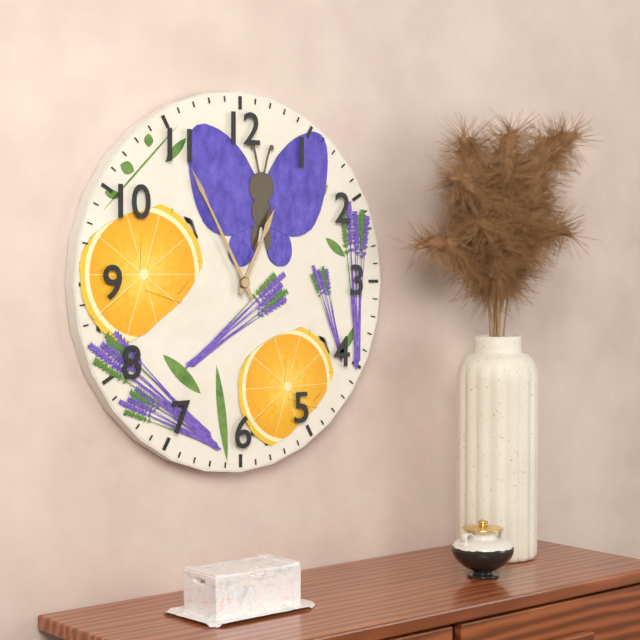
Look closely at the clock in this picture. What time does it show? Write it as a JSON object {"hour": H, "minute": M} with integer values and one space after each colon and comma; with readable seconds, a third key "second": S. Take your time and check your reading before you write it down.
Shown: {"hour": 12, "minute": 55}
